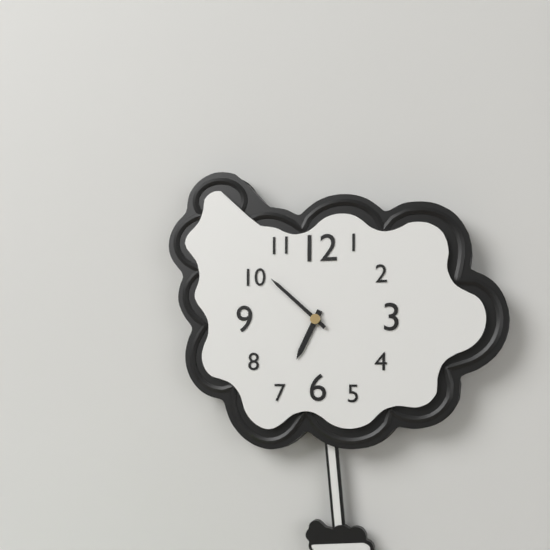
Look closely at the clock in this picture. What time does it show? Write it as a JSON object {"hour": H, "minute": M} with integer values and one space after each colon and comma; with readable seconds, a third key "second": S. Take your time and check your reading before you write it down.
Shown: {"hour": 6, "minute": 52}
